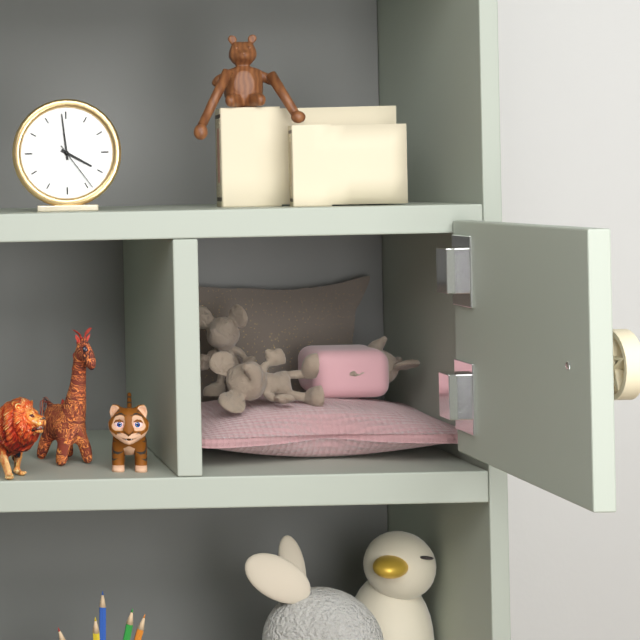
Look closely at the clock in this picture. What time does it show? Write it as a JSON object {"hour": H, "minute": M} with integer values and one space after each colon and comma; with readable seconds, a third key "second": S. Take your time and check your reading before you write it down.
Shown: {"hour": 3, "minute": 59, "second": 24}
